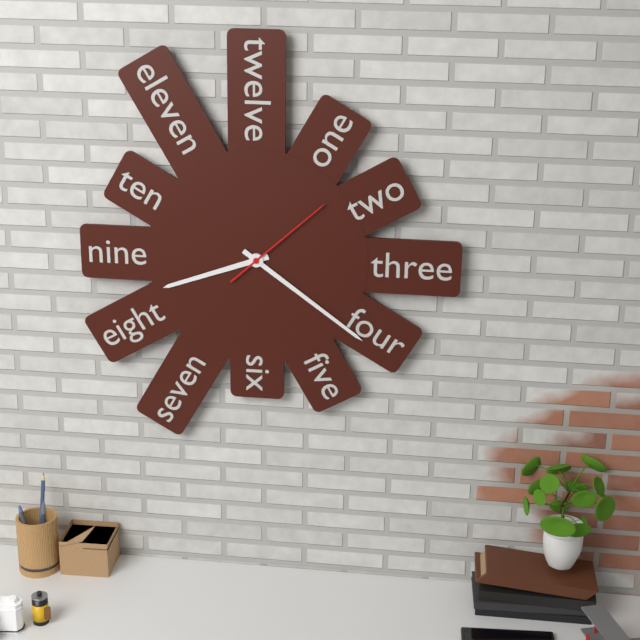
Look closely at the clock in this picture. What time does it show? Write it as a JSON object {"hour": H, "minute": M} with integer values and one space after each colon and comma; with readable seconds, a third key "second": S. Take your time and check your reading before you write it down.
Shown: {"hour": 8, "minute": 21, "second": 8}
